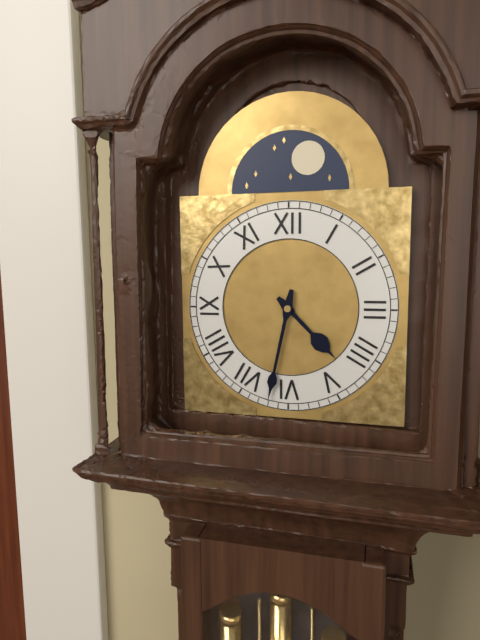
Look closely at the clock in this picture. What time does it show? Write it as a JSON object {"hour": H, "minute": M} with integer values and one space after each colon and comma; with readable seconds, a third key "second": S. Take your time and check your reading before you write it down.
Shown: {"hour": 4, "minute": 32}
